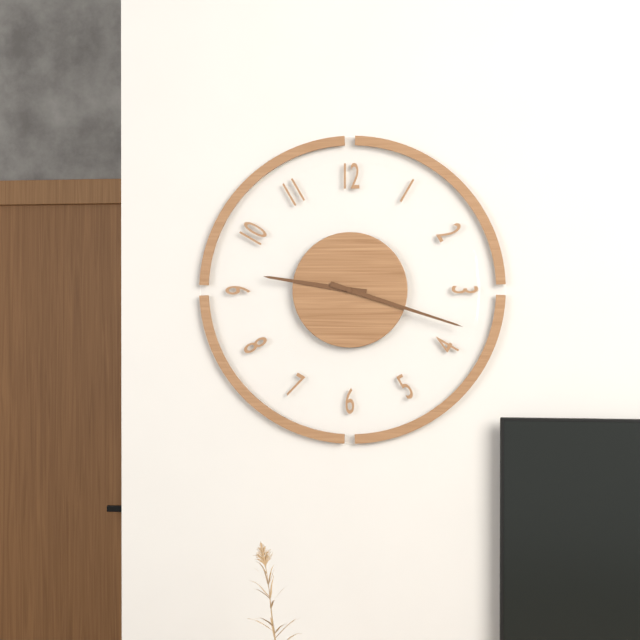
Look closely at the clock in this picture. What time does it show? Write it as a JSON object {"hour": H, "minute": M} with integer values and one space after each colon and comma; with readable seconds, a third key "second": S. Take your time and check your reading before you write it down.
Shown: {"hour": 9, "minute": 18}
